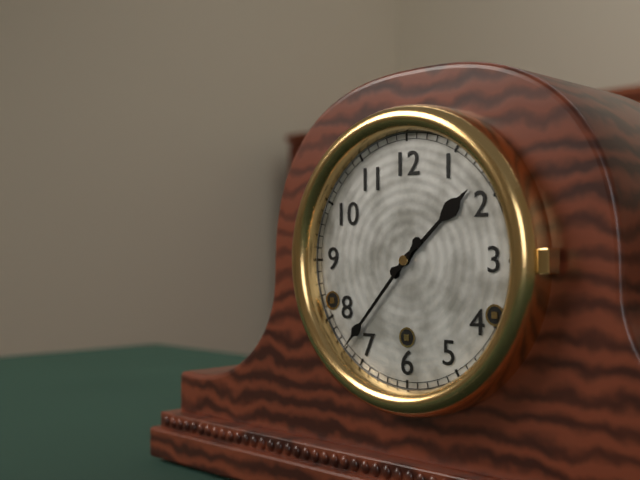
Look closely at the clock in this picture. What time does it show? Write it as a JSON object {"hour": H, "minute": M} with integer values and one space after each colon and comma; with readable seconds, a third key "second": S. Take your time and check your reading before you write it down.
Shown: {"hour": 1, "minute": 37}
